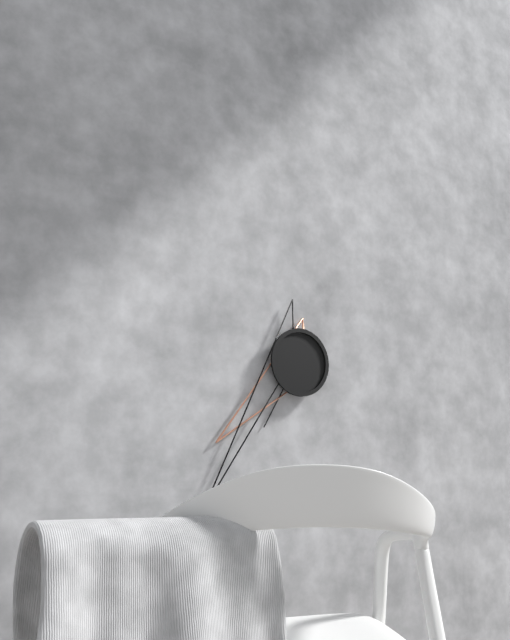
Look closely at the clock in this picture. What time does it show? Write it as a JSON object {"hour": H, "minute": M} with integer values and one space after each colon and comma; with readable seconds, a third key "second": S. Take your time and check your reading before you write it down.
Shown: {"hour": 7, "minute": 36, "second": 35}
